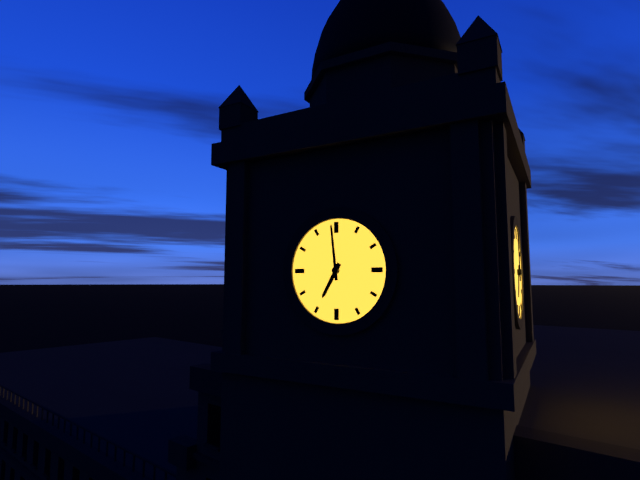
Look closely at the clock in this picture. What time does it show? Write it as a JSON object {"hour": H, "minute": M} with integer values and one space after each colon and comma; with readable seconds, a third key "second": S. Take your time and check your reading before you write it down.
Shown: {"hour": 6, "minute": 59}
